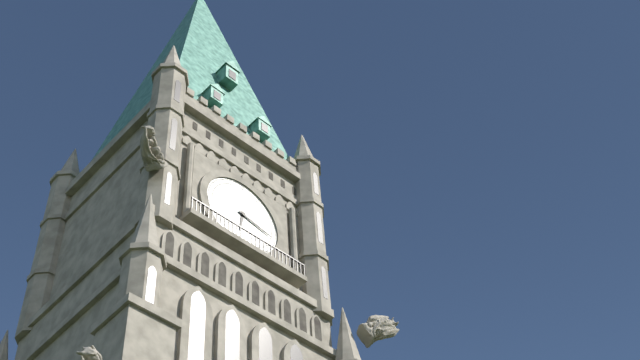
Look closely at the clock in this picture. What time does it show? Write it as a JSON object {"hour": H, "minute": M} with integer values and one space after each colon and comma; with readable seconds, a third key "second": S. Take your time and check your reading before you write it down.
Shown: {"hour": 6, "minute": 17}
